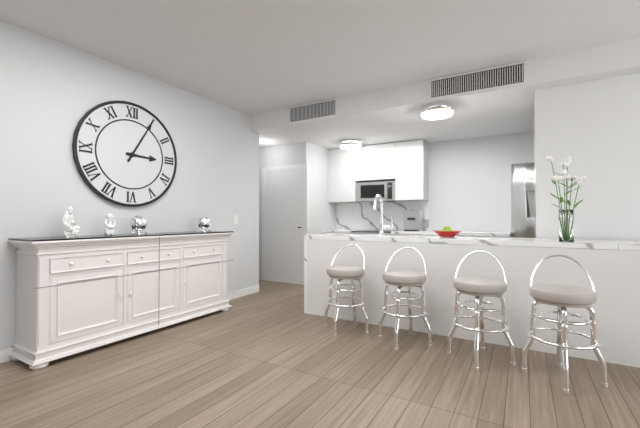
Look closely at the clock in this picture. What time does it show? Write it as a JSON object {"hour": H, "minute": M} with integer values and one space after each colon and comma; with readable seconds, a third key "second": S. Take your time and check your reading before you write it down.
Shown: {"hour": 3, "minute": 5}
